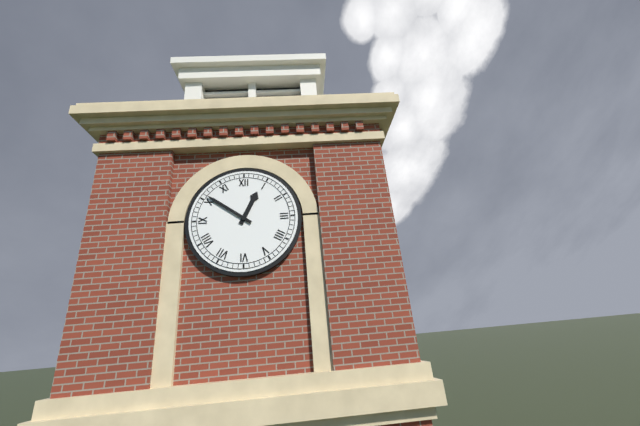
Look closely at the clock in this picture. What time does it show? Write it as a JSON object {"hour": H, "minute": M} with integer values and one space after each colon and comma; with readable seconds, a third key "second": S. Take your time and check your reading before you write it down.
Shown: {"hour": 12, "minute": 51}
